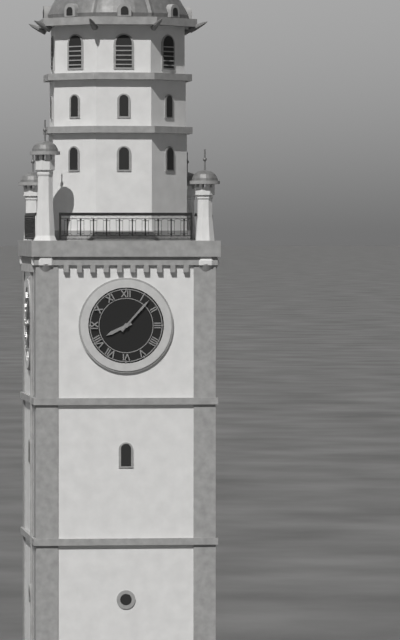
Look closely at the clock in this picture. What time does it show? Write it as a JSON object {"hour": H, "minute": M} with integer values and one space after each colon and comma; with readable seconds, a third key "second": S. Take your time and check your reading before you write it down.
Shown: {"hour": 8, "minute": 7}
